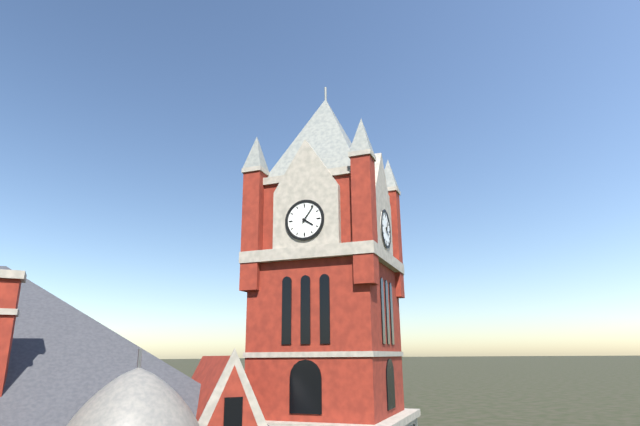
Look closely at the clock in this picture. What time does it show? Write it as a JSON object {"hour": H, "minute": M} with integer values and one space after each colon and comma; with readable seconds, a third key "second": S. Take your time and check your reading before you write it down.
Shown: {"hour": 4, "minute": 6}
